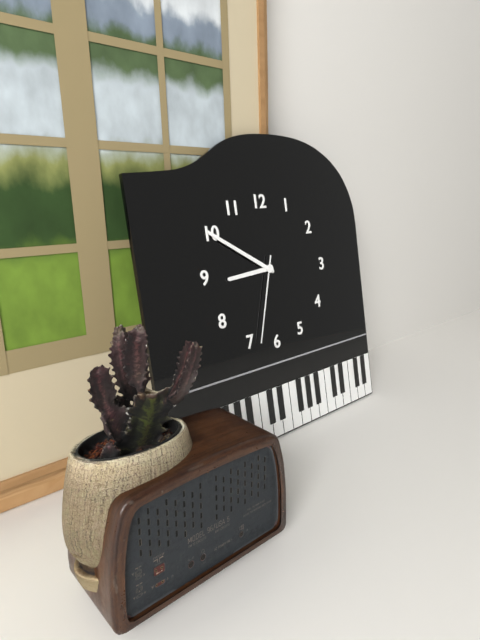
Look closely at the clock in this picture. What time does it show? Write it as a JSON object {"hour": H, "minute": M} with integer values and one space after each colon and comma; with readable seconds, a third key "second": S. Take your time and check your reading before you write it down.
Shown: {"hour": 8, "minute": 50, "second": 33}
